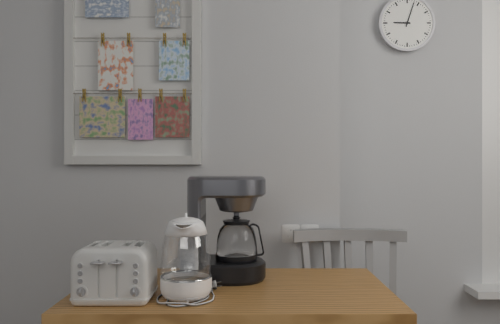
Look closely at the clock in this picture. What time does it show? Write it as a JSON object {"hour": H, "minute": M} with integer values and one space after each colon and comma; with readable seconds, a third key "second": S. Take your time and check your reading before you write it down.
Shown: {"hour": 9, "minute": 3}
